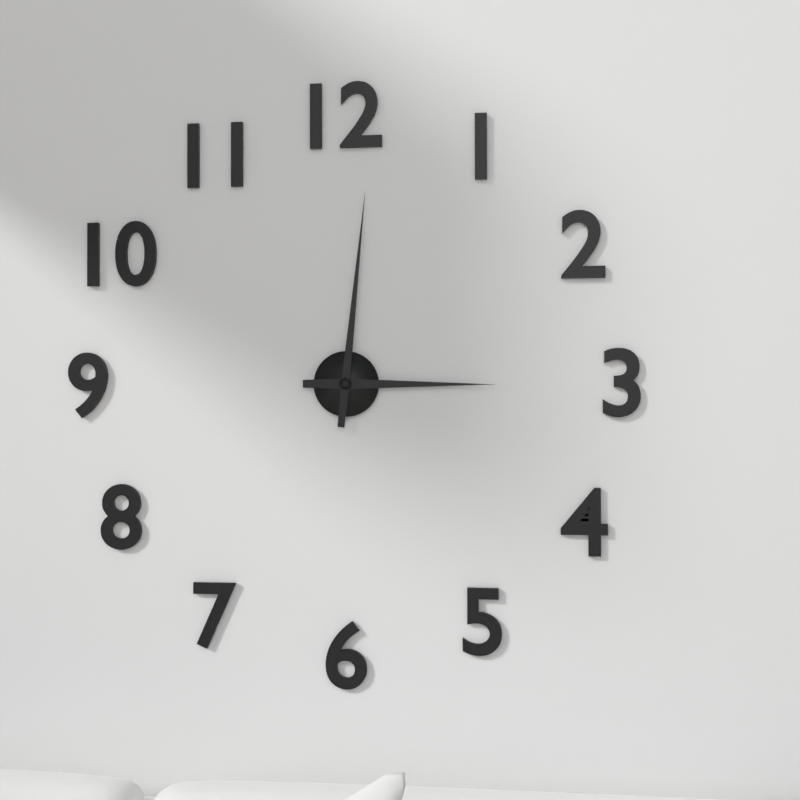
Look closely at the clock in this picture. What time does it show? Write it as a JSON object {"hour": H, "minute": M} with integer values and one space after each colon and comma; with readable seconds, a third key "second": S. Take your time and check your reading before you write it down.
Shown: {"hour": 3, "minute": 1}
